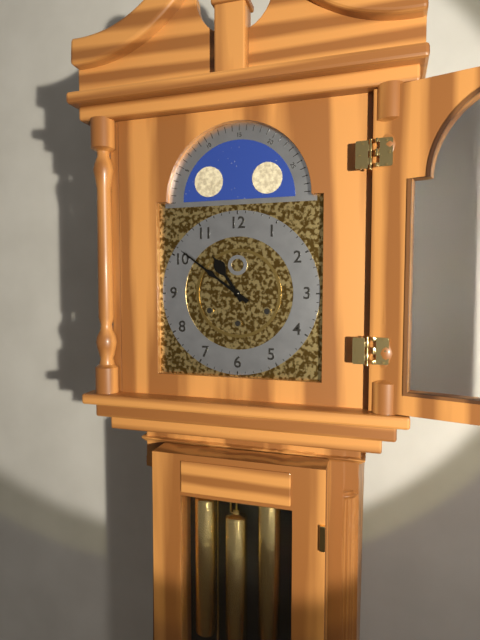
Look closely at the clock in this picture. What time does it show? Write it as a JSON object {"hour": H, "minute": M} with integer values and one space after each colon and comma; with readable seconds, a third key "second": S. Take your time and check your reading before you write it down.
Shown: {"hour": 10, "minute": 51}
